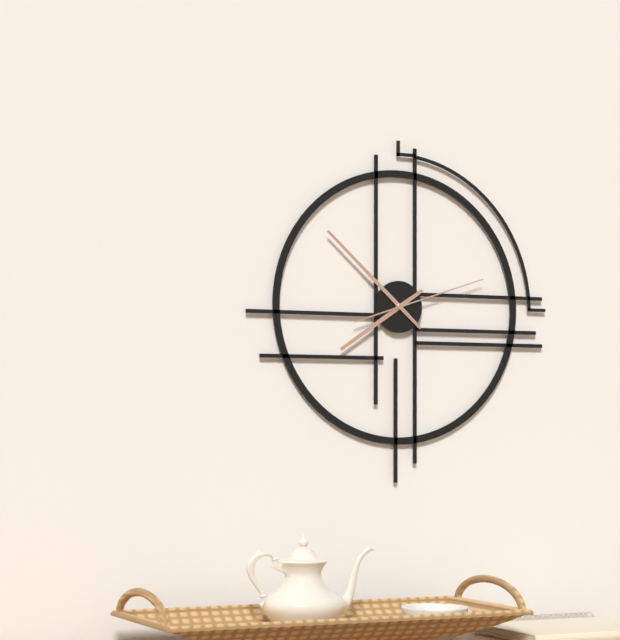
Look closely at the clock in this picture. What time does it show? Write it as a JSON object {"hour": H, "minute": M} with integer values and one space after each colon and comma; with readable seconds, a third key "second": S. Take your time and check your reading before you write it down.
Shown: {"hour": 7, "minute": 52, "second": 12}
